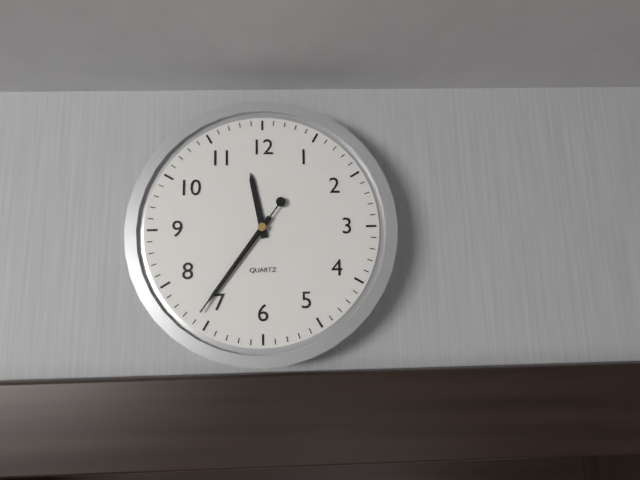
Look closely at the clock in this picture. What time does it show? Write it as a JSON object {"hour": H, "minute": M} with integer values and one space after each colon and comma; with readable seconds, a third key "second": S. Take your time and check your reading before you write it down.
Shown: {"hour": 11, "minute": 36, "second": 36}
